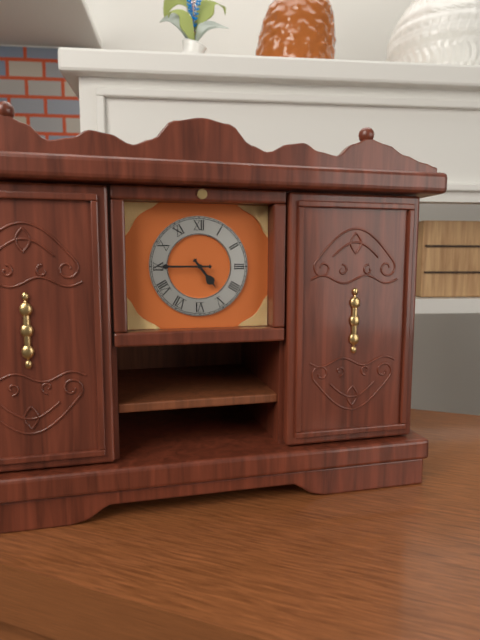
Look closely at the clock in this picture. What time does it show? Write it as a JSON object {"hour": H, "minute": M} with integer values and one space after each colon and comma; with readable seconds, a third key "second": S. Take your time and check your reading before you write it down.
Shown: {"hour": 4, "minute": 45}
